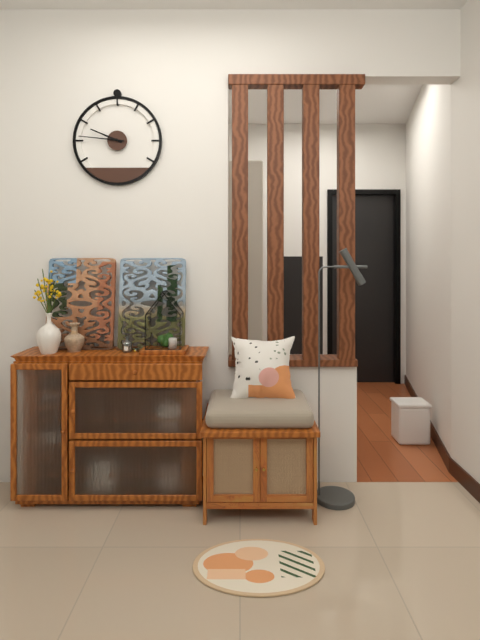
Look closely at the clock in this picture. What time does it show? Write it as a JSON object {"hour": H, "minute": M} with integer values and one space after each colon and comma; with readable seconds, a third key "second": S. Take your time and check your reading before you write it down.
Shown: {"hour": 9, "minute": 46}
